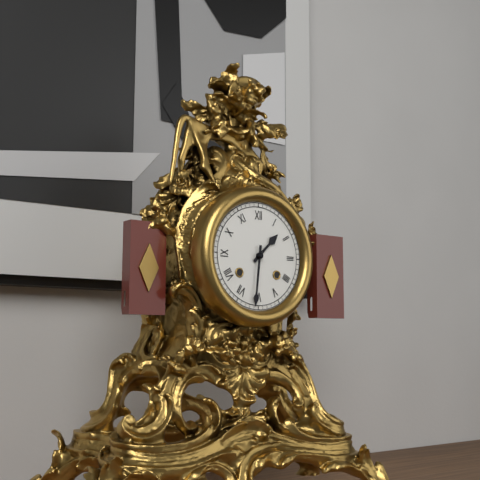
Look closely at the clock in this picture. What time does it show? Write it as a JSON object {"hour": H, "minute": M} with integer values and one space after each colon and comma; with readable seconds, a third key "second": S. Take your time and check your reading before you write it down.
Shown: {"hour": 1, "minute": 31}
